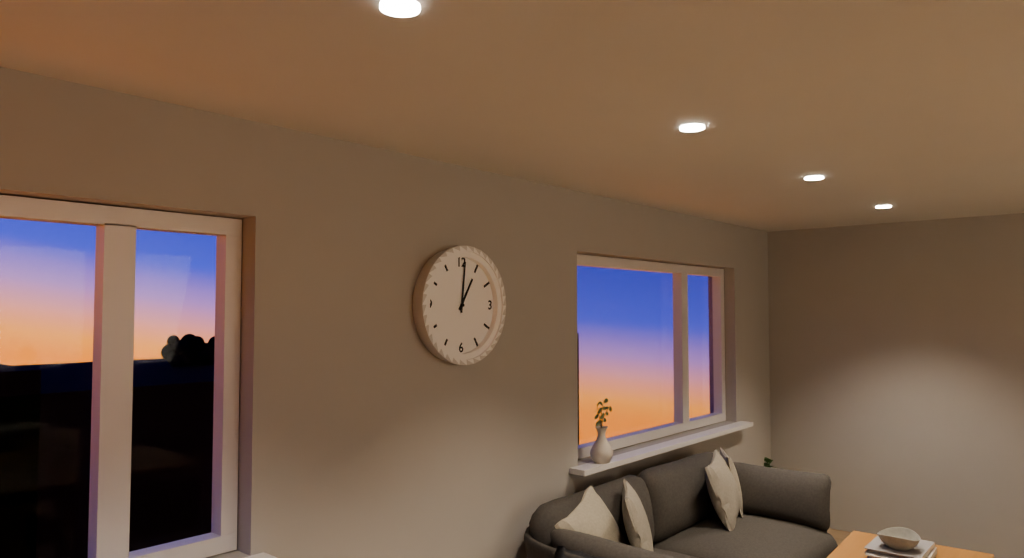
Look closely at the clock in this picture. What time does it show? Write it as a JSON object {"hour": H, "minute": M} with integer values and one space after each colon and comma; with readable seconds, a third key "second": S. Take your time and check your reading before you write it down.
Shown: {"hour": 1, "minute": 1}
